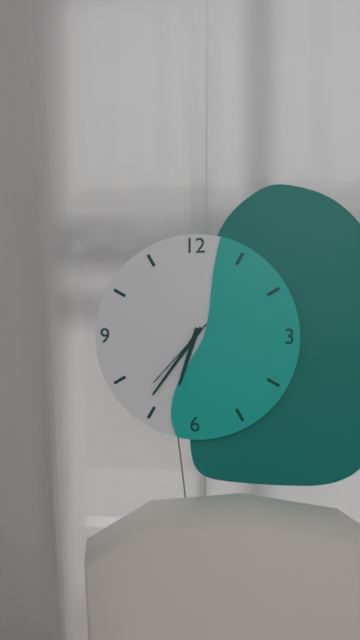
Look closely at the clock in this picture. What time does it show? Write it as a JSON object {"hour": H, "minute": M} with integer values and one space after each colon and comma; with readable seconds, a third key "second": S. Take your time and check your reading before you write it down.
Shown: {"hour": 6, "minute": 36, "second": 37}
